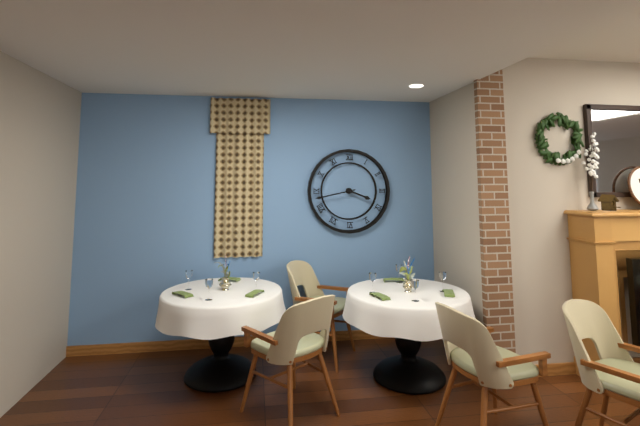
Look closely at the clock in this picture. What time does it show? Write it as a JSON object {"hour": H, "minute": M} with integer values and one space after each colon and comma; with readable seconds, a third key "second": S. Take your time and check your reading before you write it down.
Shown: {"hour": 3, "minute": 43}
